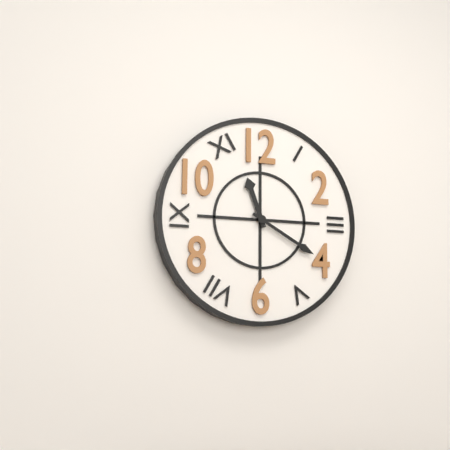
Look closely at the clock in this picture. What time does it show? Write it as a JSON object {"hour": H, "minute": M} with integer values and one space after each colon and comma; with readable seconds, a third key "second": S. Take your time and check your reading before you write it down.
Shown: {"hour": 11, "minute": 20}
